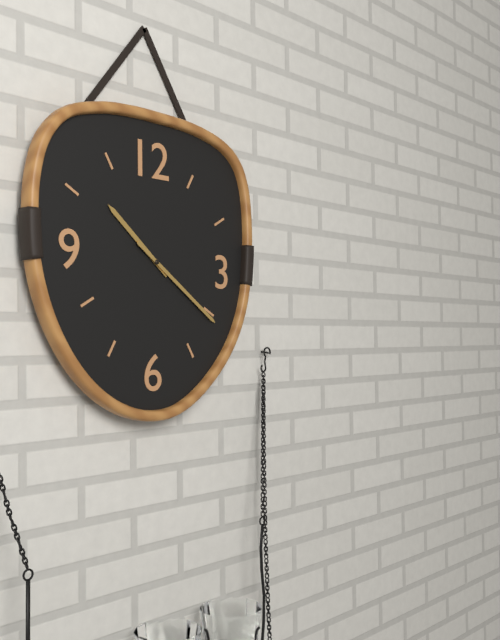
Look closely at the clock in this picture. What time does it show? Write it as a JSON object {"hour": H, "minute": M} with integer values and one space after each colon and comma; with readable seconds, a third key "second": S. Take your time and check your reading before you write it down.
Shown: {"hour": 10, "minute": 21}
